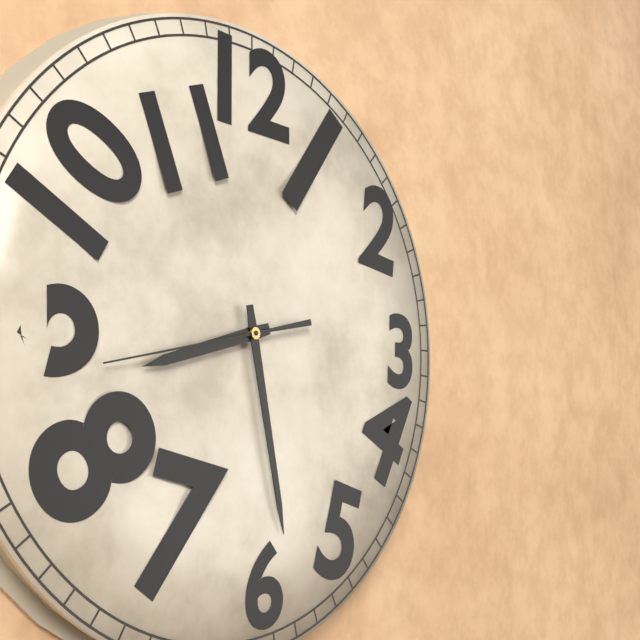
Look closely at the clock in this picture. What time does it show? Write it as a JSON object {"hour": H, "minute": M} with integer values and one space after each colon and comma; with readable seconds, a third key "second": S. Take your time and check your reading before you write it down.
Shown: {"hour": 8, "minute": 28, "second": 43}
